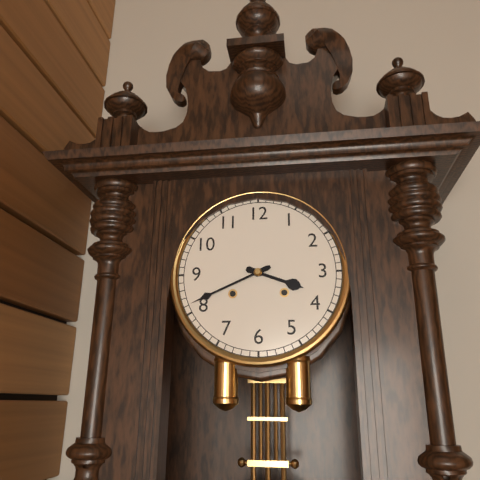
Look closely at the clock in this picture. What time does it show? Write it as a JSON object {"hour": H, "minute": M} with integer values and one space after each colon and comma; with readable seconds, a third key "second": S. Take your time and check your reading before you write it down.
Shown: {"hour": 3, "minute": 41}
